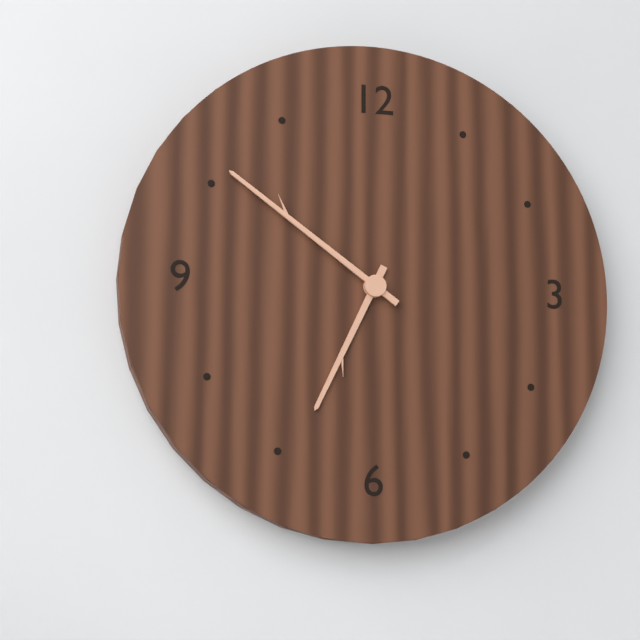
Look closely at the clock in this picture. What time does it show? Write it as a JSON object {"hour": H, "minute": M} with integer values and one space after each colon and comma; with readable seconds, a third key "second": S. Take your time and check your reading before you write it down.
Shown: {"hour": 6, "minute": 51}
